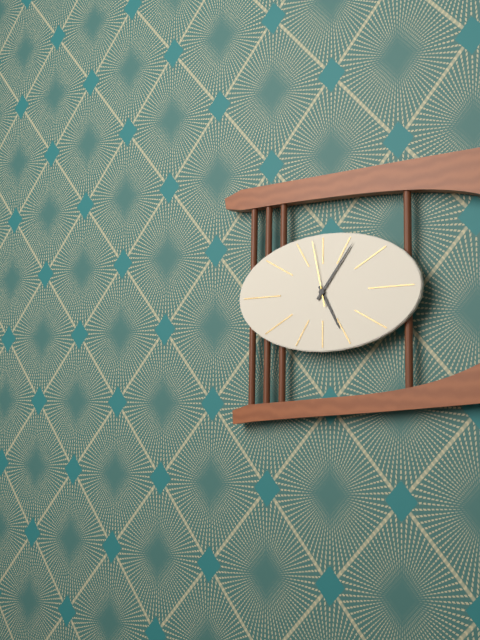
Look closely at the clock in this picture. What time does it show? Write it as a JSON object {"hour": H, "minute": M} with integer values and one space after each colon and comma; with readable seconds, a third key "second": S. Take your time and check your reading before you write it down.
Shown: {"hour": 5, "minute": 6, "second": 58}
